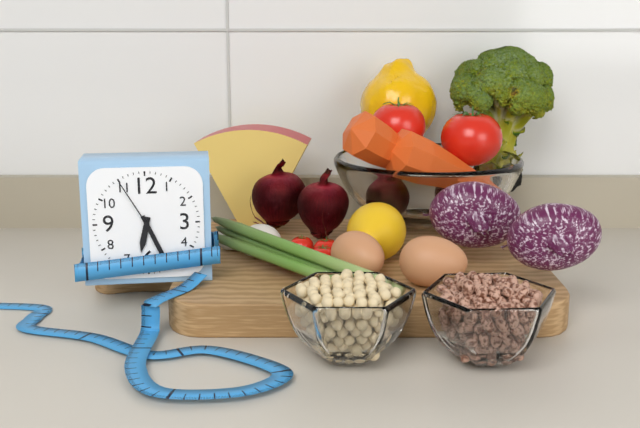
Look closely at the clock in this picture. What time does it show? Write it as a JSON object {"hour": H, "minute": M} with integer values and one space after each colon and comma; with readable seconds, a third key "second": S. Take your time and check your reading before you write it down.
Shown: {"hour": 6, "minute": 26, "second": 55}
